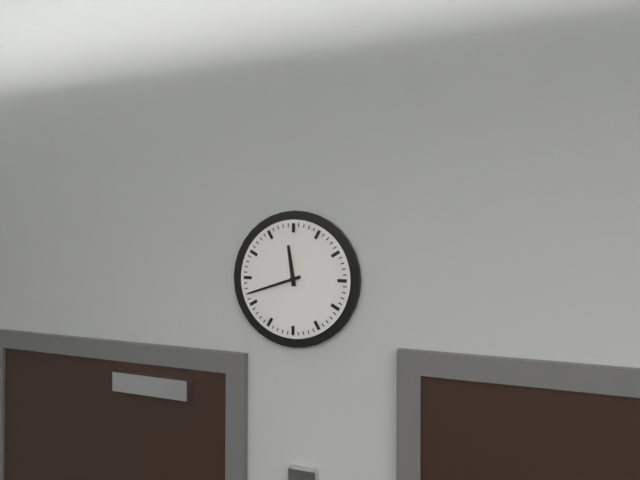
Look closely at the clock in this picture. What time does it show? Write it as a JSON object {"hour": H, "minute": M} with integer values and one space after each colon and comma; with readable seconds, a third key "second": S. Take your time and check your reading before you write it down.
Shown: {"hour": 11, "minute": 42}
